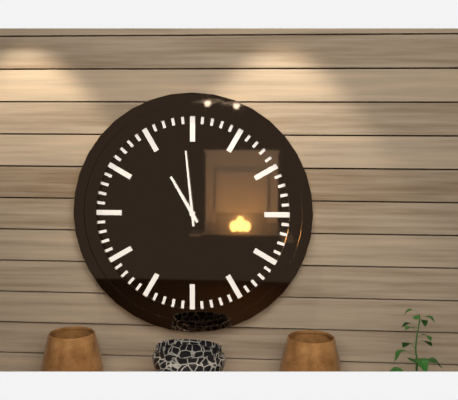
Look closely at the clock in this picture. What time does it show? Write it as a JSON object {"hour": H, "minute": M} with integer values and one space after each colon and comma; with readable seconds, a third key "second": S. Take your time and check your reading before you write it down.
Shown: {"hour": 10, "minute": 59}
